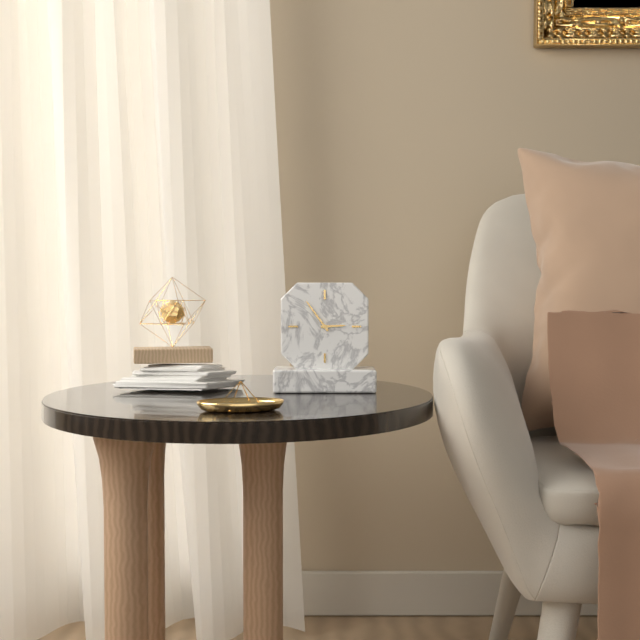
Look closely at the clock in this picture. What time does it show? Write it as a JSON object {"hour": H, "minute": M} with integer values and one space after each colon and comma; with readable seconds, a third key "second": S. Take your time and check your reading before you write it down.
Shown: {"hour": 2, "minute": 54}
